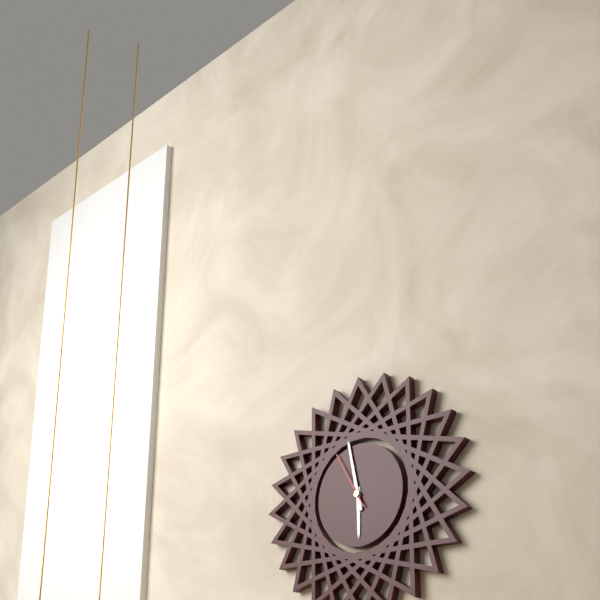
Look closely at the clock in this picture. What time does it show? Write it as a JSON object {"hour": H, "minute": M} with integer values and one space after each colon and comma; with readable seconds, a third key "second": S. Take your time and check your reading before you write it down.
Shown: {"hour": 5, "minute": 58, "second": 55}
